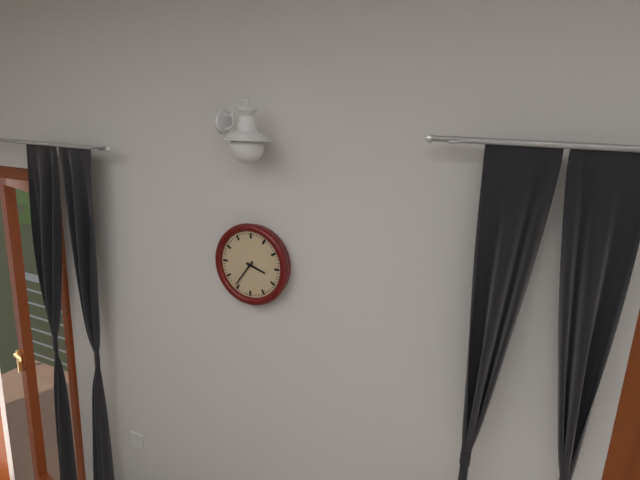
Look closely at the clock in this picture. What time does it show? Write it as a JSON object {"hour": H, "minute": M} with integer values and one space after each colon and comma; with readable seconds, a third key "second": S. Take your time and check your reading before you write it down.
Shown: {"hour": 3, "minute": 36}
